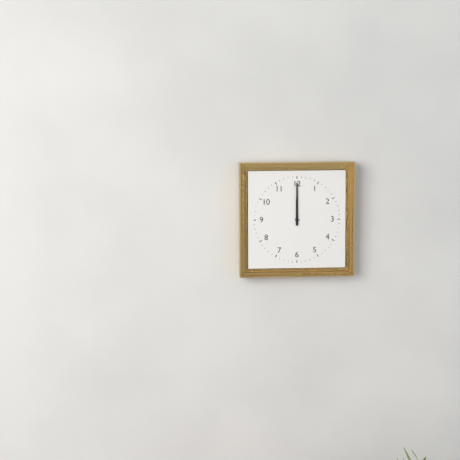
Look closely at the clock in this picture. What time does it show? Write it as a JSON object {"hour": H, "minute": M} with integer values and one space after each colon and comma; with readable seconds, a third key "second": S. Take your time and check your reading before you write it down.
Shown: {"hour": 12, "minute": 0}
